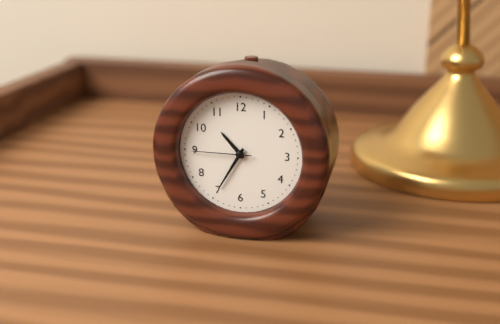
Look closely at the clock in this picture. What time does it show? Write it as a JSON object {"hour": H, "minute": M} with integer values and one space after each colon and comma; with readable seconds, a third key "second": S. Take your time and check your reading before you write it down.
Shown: {"hour": 10, "minute": 35, "second": 45}
